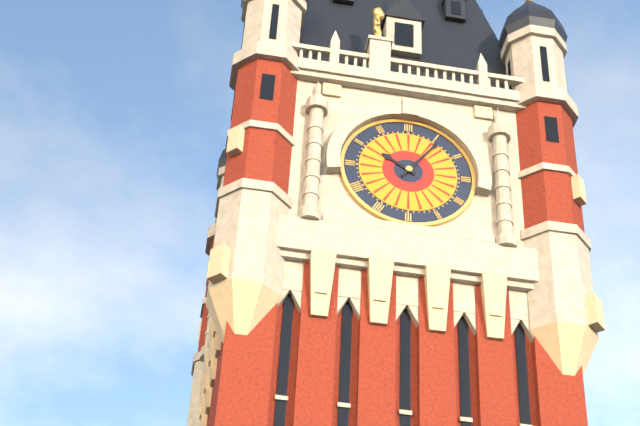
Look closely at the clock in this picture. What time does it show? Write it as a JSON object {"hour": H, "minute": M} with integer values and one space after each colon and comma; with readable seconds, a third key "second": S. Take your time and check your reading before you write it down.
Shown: {"hour": 10, "minute": 6}
